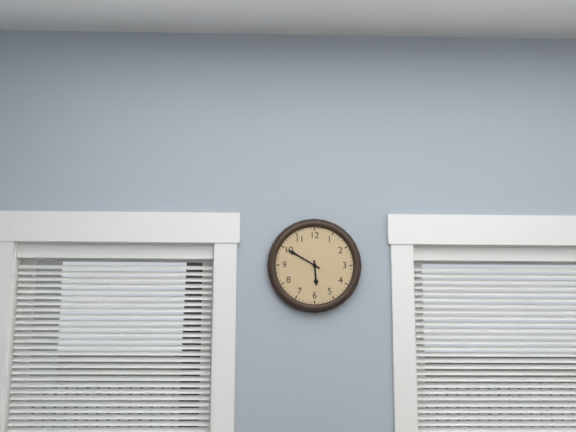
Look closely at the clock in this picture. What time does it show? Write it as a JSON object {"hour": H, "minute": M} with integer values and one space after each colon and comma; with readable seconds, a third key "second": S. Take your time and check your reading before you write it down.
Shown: {"hour": 5, "minute": 50}
